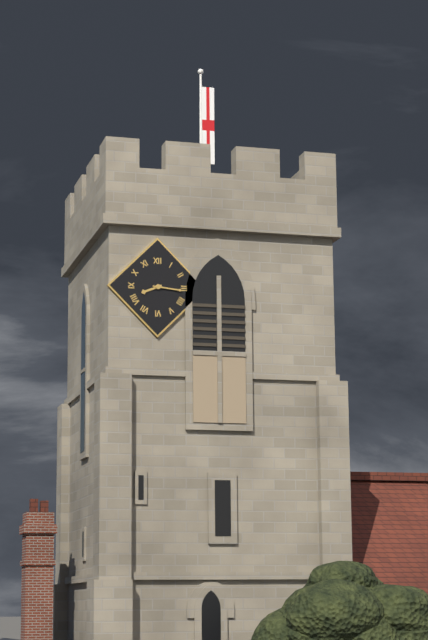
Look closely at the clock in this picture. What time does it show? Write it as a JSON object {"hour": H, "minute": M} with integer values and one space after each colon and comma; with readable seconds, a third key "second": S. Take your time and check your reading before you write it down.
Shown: {"hour": 8, "minute": 16}
